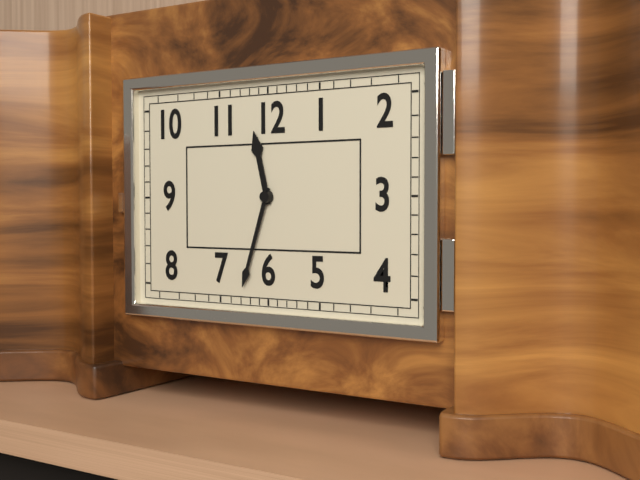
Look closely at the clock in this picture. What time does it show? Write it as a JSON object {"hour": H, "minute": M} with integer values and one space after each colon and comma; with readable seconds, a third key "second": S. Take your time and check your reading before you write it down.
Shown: {"hour": 11, "minute": 33}
